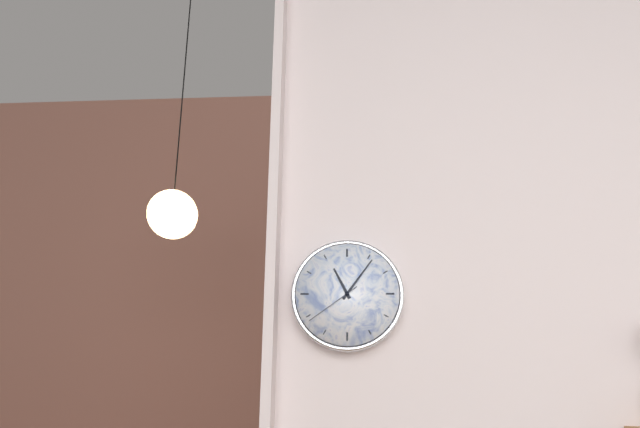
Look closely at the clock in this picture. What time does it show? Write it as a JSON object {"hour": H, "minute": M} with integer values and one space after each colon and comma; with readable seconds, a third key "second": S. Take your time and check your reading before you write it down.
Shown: {"hour": 11, "minute": 6, "second": 39}
